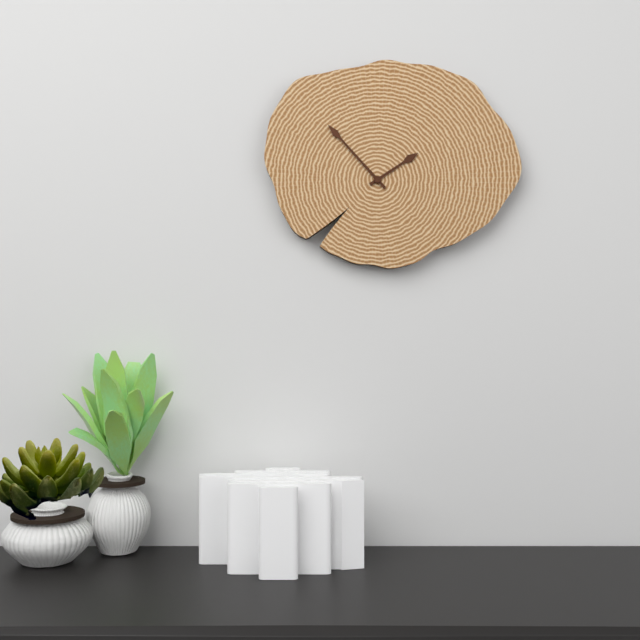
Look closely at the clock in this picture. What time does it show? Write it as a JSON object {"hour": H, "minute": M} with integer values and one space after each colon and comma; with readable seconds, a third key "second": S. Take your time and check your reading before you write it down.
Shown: {"hour": 1, "minute": 53}
